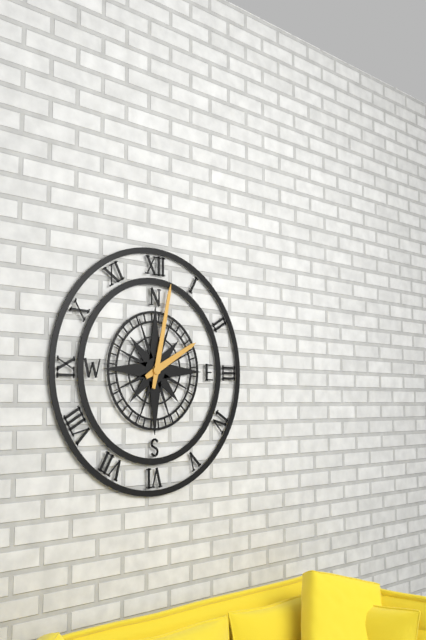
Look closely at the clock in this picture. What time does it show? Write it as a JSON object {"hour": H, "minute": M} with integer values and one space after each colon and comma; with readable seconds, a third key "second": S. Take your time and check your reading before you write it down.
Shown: {"hour": 2, "minute": 2}
